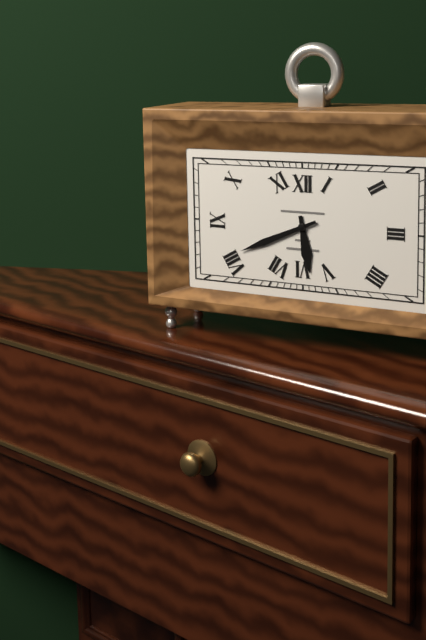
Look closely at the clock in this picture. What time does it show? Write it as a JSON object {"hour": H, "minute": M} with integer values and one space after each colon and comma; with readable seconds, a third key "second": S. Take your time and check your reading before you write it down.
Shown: {"hour": 5, "minute": 41}
